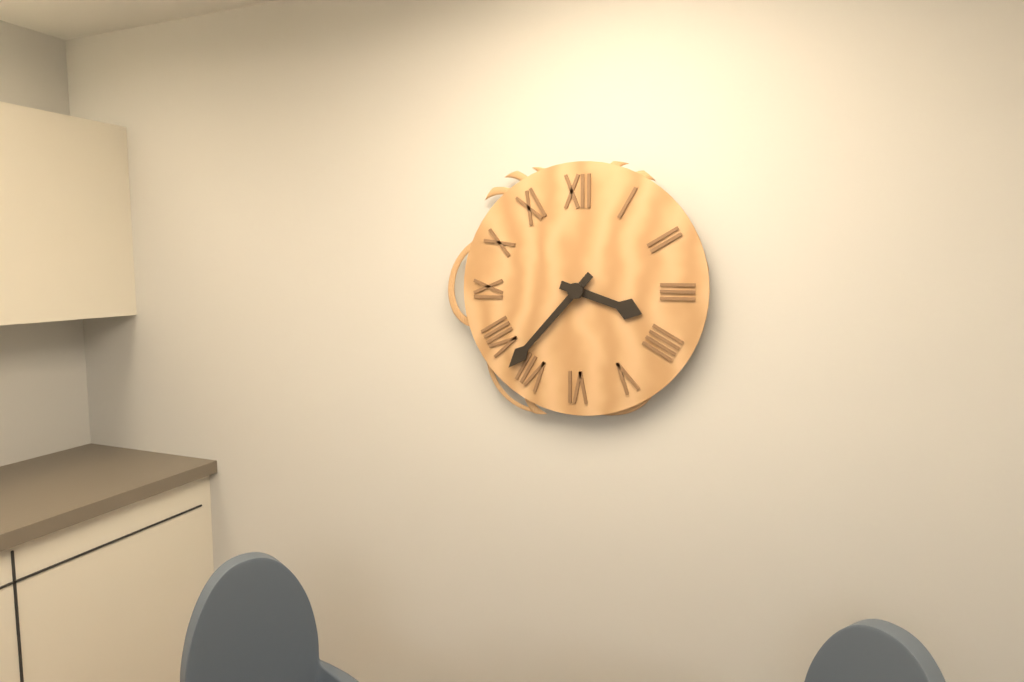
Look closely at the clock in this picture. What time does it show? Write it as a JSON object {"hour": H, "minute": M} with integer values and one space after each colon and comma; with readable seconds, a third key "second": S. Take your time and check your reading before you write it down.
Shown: {"hour": 3, "minute": 37}
